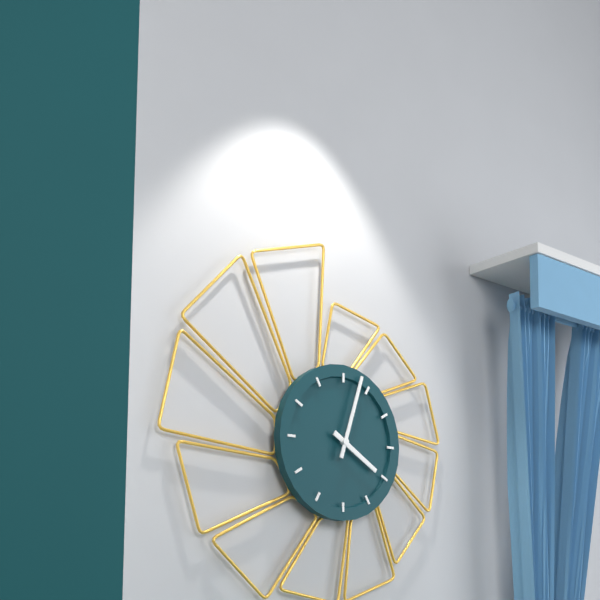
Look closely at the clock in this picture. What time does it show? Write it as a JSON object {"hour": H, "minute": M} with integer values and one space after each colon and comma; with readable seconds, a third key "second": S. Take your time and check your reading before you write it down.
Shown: {"hour": 4, "minute": 3}
